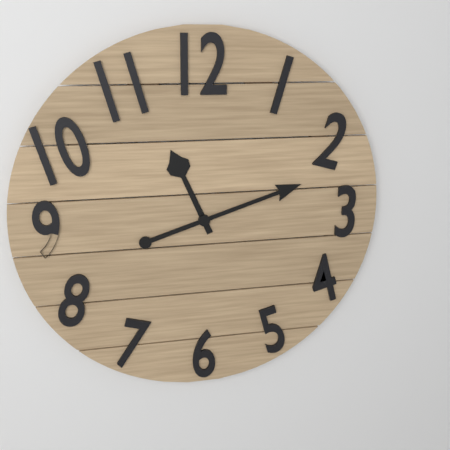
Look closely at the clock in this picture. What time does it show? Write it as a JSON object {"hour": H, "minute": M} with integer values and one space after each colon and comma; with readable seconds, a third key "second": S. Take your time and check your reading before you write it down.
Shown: {"hour": 11, "minute": 12}
